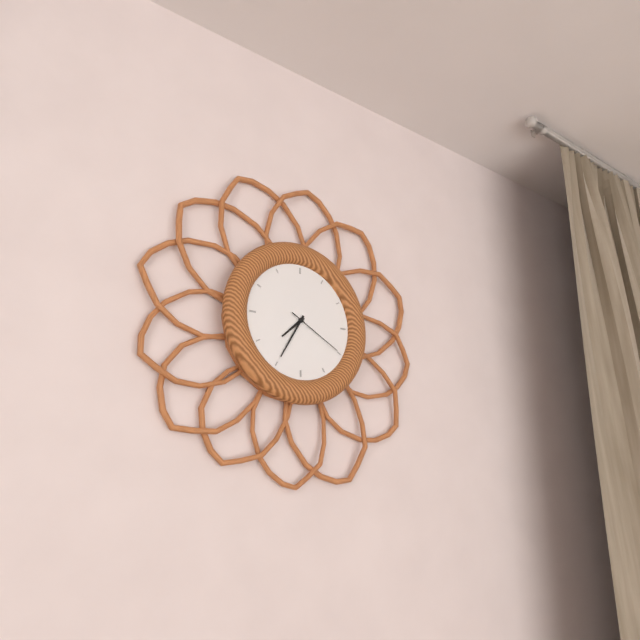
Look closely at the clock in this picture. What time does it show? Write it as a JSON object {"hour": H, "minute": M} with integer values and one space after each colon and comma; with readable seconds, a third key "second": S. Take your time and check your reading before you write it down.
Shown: {"hour": 7, "minute": 35, "second": 20}
